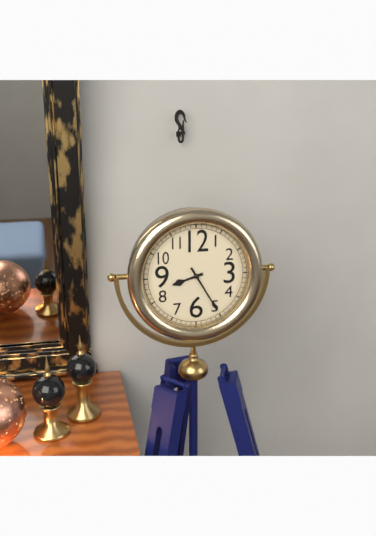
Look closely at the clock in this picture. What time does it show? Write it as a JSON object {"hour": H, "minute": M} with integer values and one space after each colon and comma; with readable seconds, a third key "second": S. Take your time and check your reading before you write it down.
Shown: {"hour": 8, "minute": 25}
